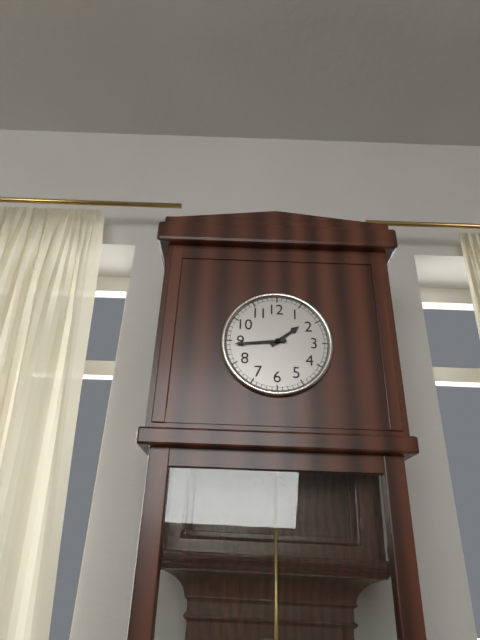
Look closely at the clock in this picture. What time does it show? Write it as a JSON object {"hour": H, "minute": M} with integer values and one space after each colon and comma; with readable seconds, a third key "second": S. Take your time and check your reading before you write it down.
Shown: {"hour": 1, "minute": 44}
